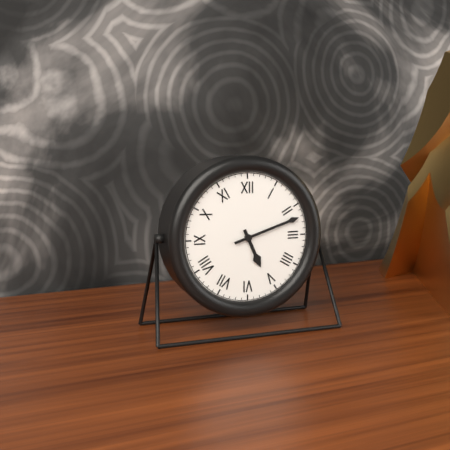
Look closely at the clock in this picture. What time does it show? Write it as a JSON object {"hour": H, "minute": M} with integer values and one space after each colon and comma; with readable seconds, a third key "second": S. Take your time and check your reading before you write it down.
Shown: {"hour": 5, "minute": 12}
